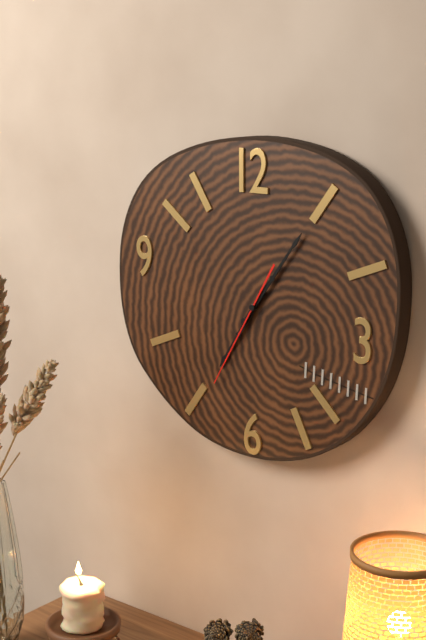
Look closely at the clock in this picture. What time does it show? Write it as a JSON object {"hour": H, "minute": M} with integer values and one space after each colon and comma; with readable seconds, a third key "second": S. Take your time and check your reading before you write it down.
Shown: {"hour": 7, "minute": 6, "second": 35}
